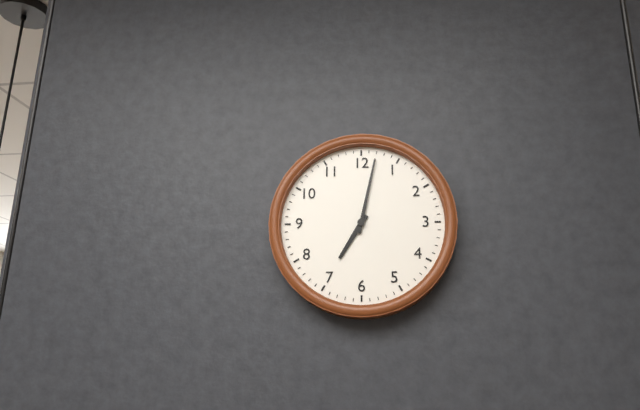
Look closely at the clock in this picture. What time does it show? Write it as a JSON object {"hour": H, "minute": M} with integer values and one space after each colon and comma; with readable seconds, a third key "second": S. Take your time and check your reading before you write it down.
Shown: {"hour": 7, "minute": 2}
